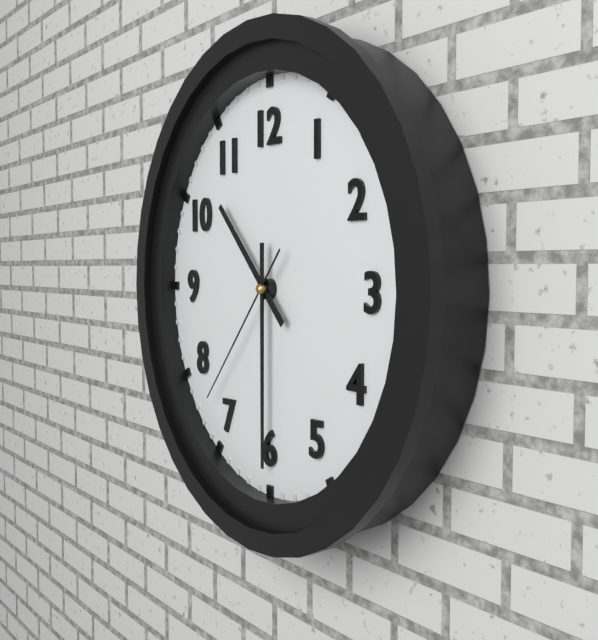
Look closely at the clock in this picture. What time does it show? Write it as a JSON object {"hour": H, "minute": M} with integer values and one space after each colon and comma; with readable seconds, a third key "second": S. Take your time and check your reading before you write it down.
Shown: {"hour": 10, "minute": 30, "second": 37}
